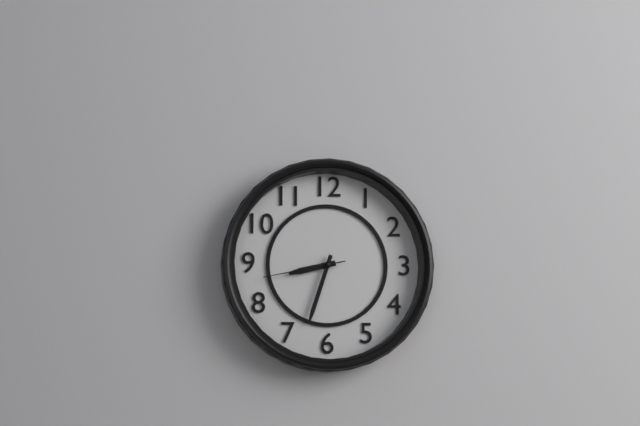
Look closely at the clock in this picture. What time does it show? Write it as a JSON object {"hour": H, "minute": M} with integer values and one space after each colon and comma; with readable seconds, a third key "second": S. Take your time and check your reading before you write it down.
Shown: {"hour": 8, "minute": 33, "second": 43}
